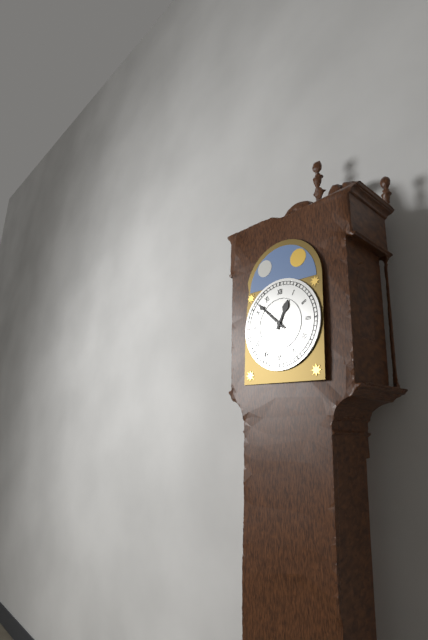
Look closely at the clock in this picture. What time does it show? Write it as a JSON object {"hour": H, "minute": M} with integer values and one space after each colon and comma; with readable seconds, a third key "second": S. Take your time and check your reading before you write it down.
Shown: {"hour": 12, "minute": 52}
